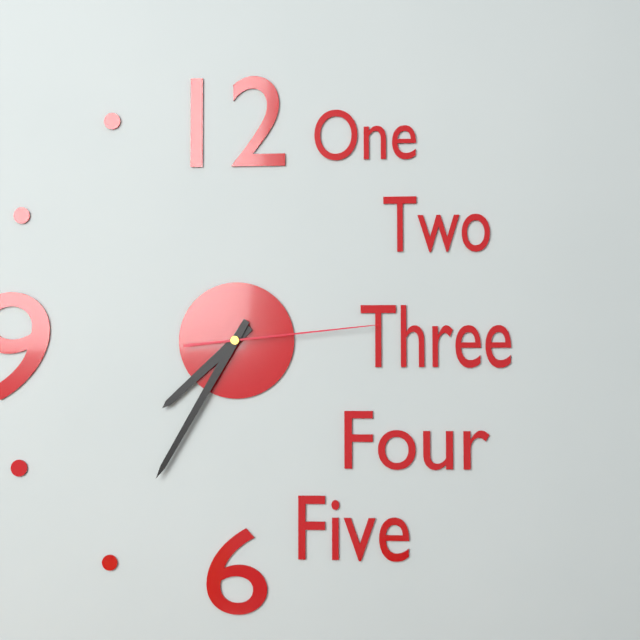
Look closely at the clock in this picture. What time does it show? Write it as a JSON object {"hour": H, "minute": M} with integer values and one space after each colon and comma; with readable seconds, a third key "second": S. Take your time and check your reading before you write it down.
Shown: {"hour": 7, "minute": 35, "second": 14}
